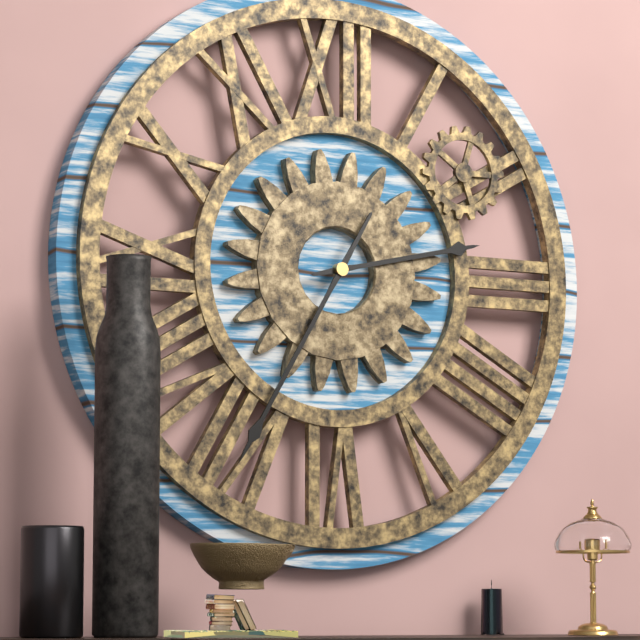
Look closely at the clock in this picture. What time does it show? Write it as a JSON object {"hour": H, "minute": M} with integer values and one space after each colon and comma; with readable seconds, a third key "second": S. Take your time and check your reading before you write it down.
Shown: {"hour": 2, "minute": 35}
